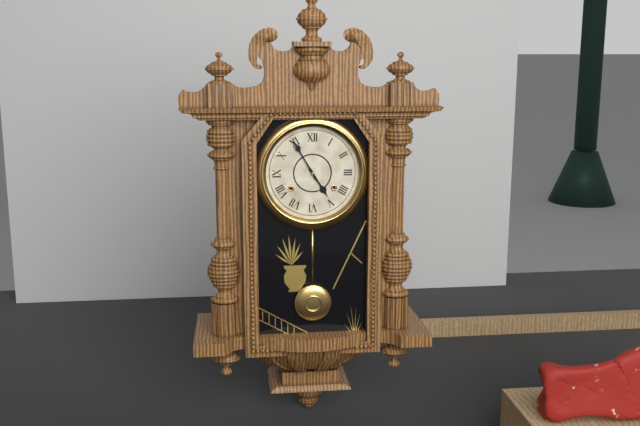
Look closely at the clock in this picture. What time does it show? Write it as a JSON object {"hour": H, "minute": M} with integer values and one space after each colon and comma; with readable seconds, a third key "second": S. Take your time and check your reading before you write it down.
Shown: {"hour": 4, "minute": 55}
